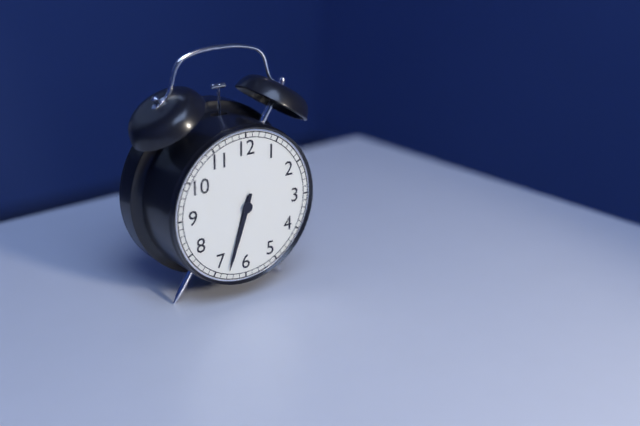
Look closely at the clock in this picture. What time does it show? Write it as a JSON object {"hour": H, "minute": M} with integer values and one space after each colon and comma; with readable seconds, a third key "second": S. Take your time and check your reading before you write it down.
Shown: {"hour": 6, "minute": 33}
